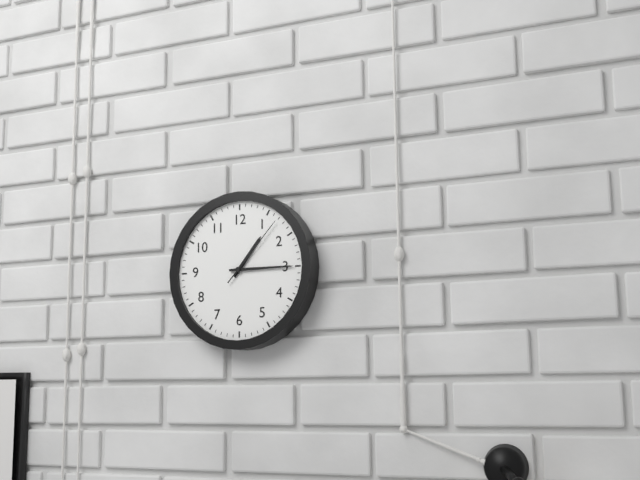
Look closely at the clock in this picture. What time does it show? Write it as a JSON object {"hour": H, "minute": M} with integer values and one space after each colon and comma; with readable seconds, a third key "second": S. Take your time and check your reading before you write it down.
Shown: {"hour": 1, "minute": 15, "second": 7}
